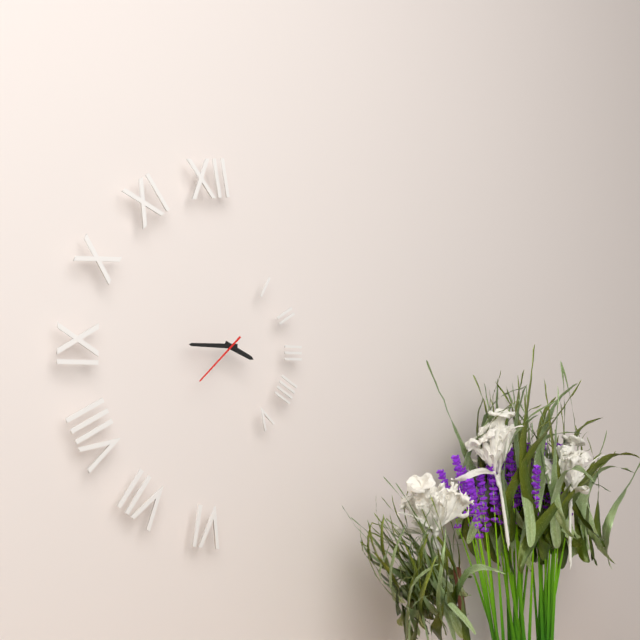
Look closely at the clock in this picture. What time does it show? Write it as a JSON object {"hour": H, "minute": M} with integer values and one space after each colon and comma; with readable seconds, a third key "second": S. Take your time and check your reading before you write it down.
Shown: {"hour": 3, "minute": 45, "second": 38}
